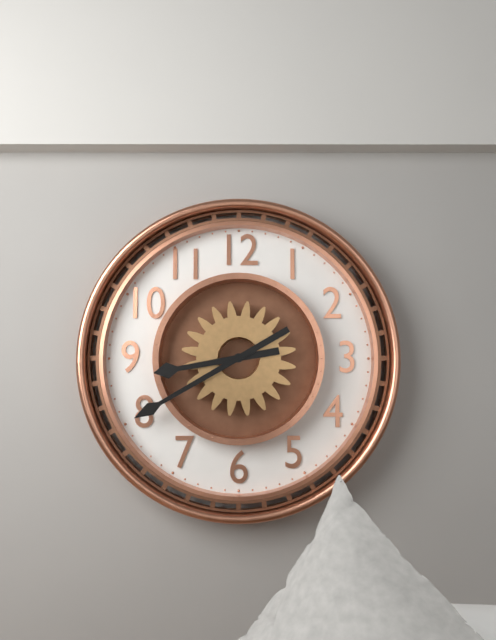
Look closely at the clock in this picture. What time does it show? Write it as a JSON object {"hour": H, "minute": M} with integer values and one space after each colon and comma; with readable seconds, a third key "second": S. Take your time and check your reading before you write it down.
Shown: {"hour": 8, "minute": 40}
